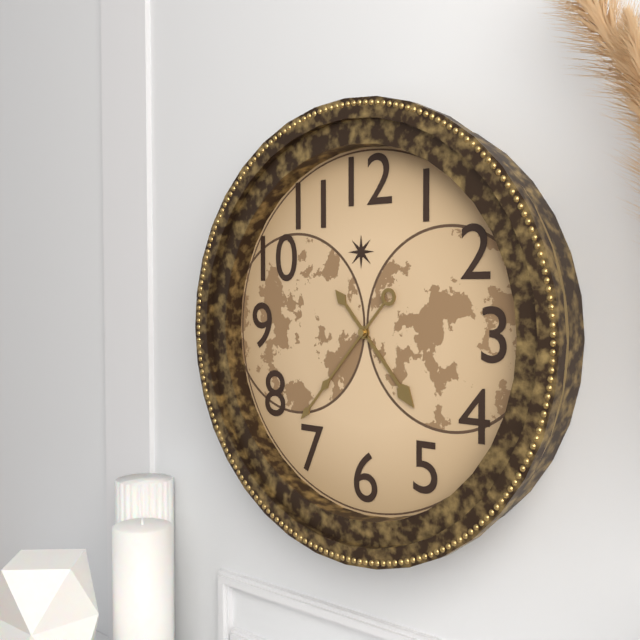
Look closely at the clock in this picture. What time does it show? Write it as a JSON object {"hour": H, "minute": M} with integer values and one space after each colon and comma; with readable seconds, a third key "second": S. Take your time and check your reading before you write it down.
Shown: {"hour": 4, "minute": 37}
